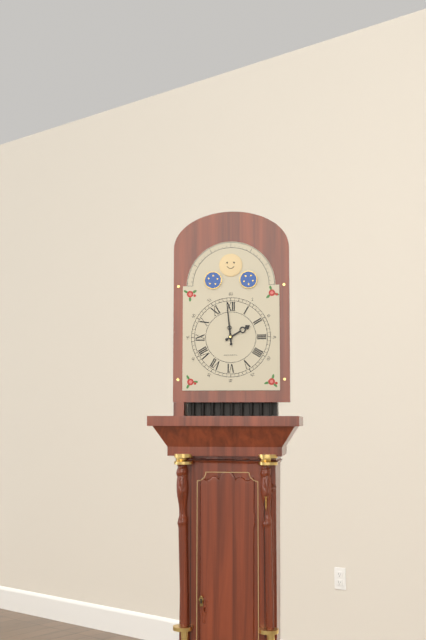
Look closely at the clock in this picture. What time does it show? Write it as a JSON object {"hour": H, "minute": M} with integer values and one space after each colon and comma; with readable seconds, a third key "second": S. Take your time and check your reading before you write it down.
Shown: {"hour": 1, "minute": 59}
